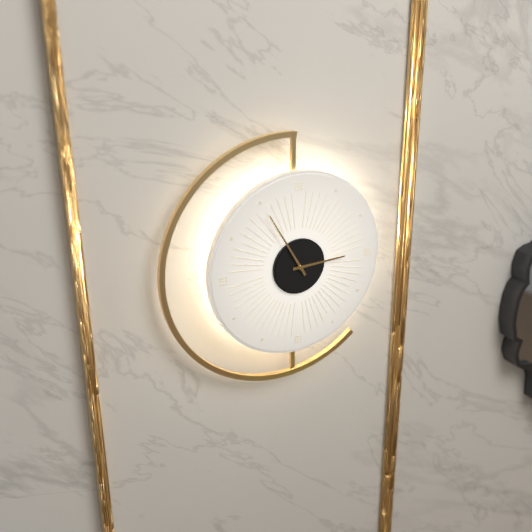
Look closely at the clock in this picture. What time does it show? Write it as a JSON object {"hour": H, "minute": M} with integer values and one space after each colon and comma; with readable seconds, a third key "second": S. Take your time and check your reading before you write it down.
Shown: {"hour": 2, "minute": 55}
